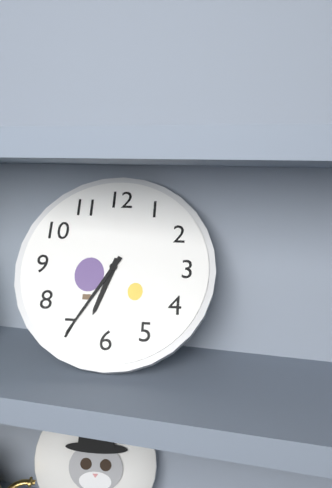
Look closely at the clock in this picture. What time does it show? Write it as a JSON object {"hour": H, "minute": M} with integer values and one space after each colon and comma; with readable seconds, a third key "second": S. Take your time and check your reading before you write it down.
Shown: {"hour": 6, "minute": 35}
